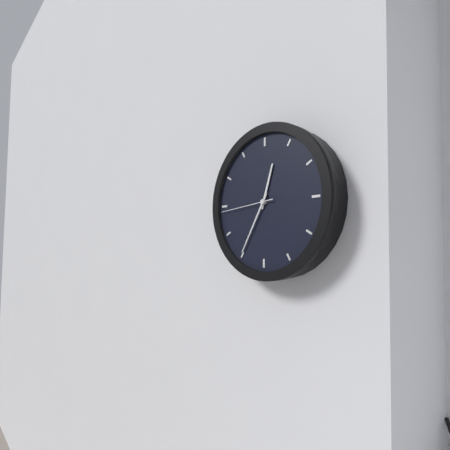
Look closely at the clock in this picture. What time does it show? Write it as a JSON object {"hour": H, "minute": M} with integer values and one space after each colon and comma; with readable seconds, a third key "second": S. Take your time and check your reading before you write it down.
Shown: {"hour": 12, "minute": 35, "second": 44}
